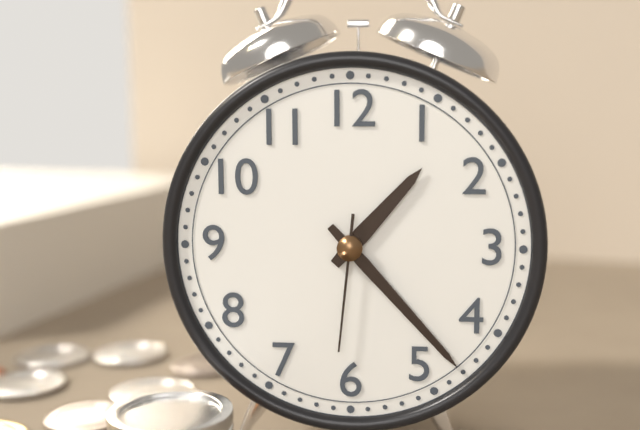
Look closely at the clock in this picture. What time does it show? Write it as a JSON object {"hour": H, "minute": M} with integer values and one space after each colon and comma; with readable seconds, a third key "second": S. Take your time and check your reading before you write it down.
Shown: {"hour": 1, "minute": 23, "second": 31}
